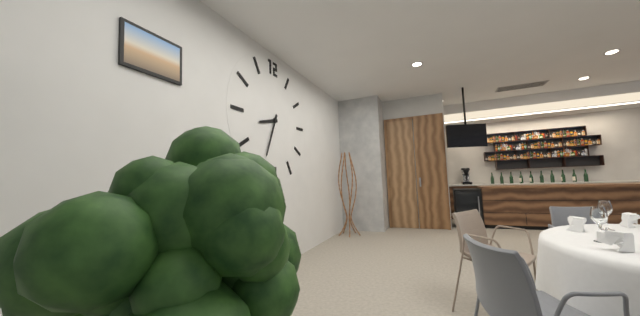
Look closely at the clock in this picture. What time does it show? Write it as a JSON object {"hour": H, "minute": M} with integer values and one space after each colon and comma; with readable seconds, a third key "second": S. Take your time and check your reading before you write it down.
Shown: {"hour": 8, "minute": 34}
